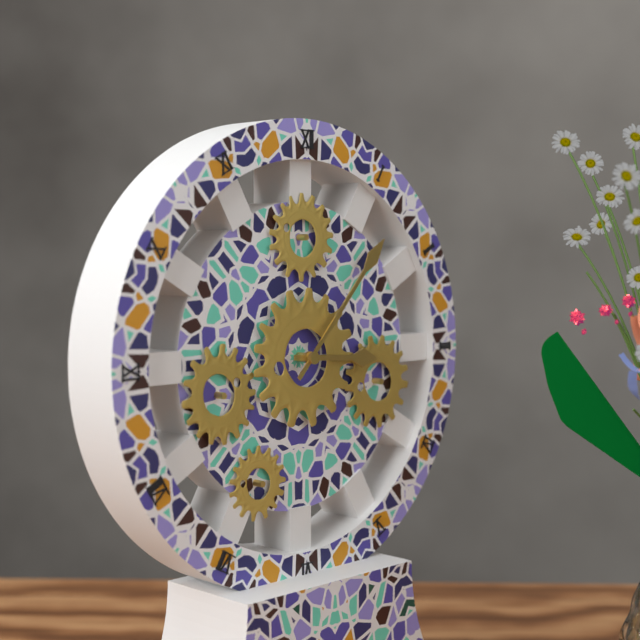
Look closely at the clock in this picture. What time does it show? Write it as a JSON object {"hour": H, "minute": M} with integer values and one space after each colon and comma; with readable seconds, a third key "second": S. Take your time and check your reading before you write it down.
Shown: {"hour": 3, "minute": 7}
